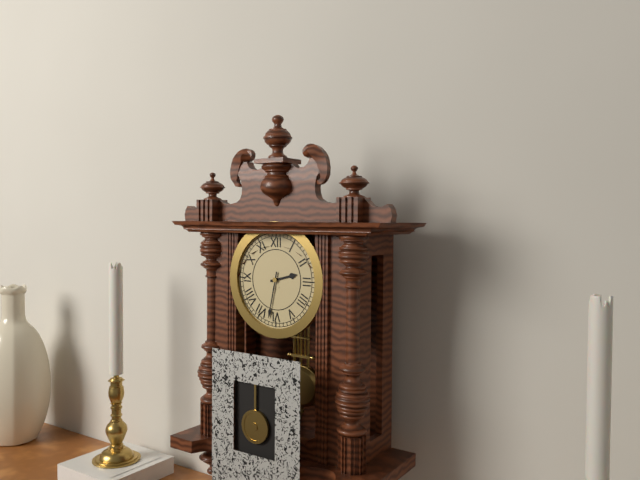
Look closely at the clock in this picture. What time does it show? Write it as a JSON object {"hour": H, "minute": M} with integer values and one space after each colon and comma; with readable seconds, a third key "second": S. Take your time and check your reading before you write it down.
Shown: {"hour": 2, "minute": 32}
